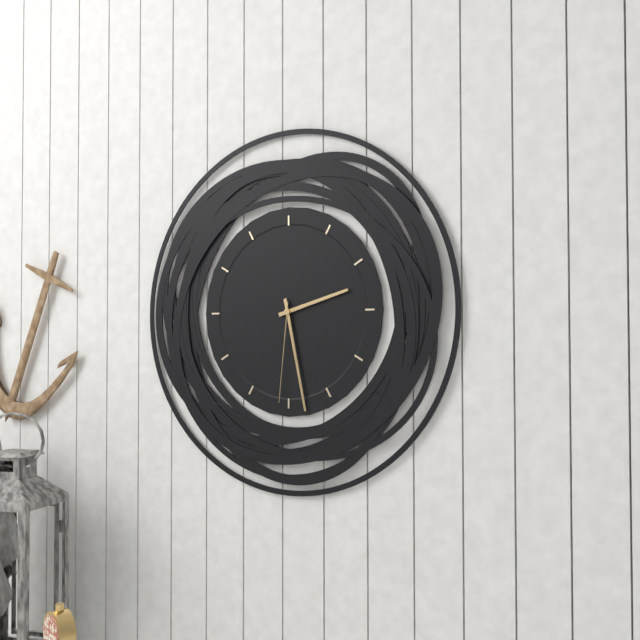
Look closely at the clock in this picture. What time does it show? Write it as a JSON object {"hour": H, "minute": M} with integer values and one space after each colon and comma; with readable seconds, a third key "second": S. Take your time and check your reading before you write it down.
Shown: {"hour": 2, "minute": 28, "second": 31}
